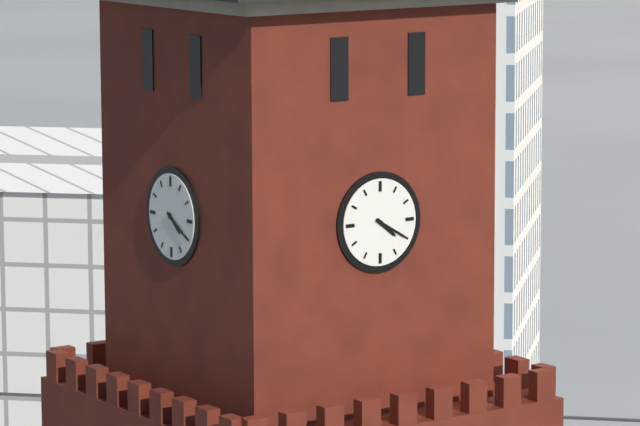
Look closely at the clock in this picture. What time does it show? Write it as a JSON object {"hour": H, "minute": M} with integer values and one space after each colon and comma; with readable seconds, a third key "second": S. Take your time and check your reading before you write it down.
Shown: {"hour": 4, "minute": 20}
